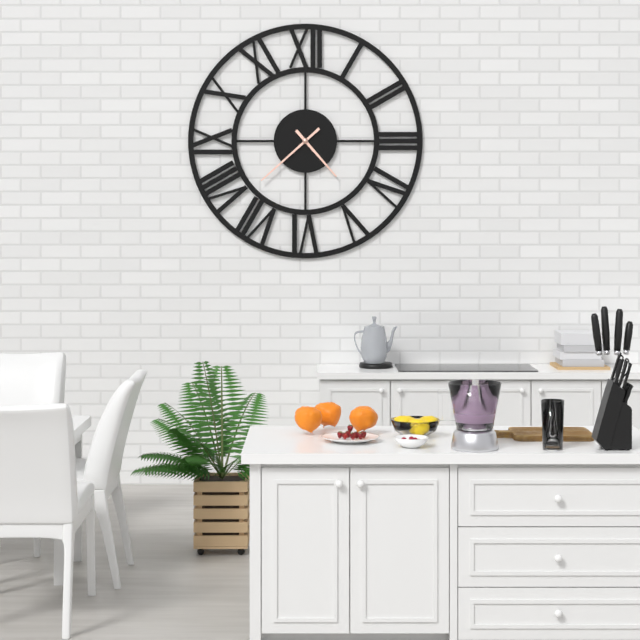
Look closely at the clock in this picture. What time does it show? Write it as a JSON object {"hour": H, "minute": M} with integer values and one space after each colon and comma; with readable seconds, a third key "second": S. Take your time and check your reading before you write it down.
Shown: {"hour": 4, "minute": 38}
